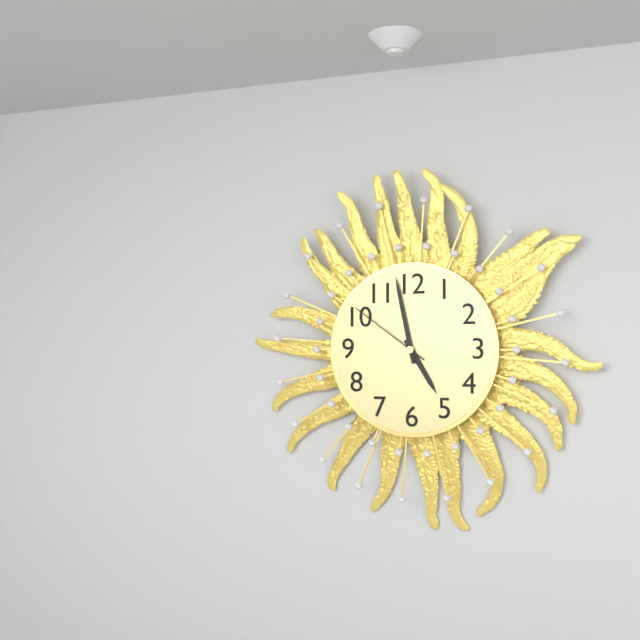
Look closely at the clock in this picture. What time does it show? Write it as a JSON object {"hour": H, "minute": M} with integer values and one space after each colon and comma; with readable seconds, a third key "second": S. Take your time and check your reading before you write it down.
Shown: {"hour": 4, "minute": 58, "second": 51}
